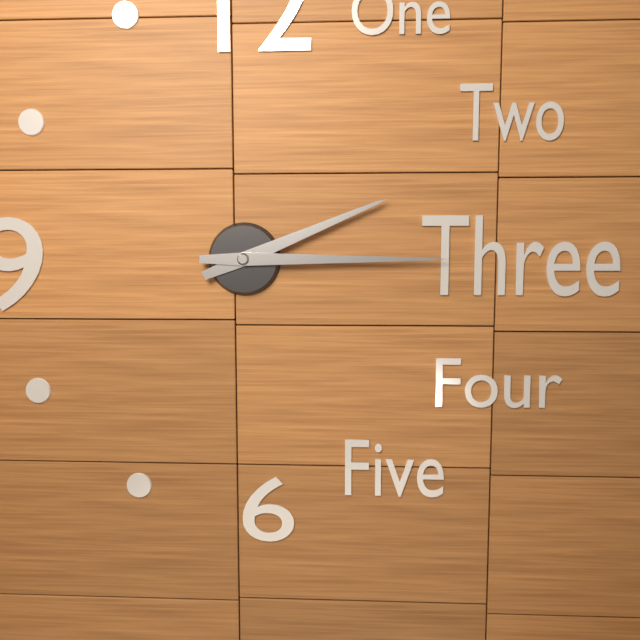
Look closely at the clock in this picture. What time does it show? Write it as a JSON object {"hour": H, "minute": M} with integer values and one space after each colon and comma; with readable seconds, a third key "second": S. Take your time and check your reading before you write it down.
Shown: {"hour": 2, "minute": 15}
